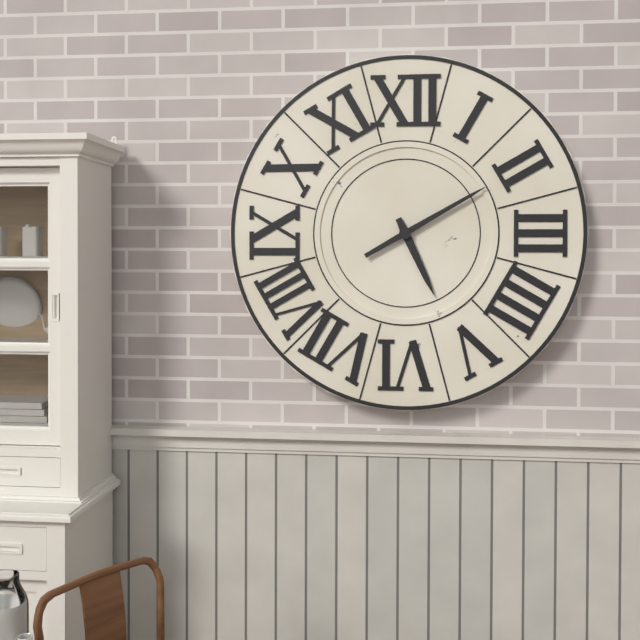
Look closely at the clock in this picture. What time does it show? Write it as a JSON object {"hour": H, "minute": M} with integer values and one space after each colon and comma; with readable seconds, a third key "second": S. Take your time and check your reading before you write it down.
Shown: {"hour": 5, "minute": 10}
